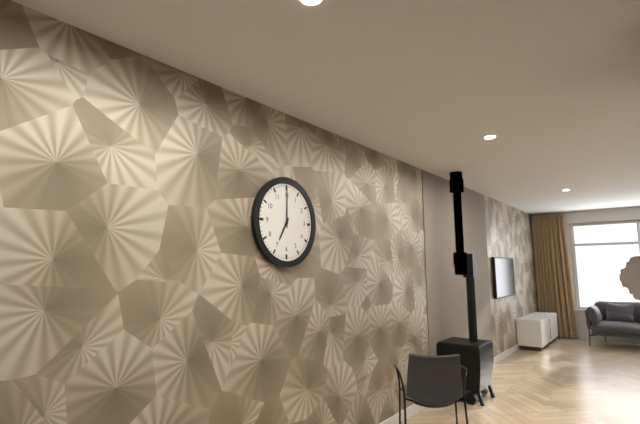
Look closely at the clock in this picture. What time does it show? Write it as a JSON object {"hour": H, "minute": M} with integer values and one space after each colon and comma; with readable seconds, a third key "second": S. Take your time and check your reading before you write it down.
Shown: {"hour": 7, "minute": 0}
